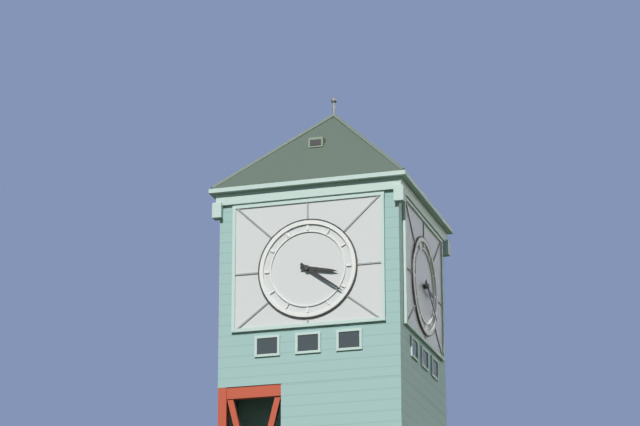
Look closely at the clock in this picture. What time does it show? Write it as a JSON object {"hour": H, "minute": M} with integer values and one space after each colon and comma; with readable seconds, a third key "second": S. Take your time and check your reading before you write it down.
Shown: {"hour": 3, "minute": 21}
